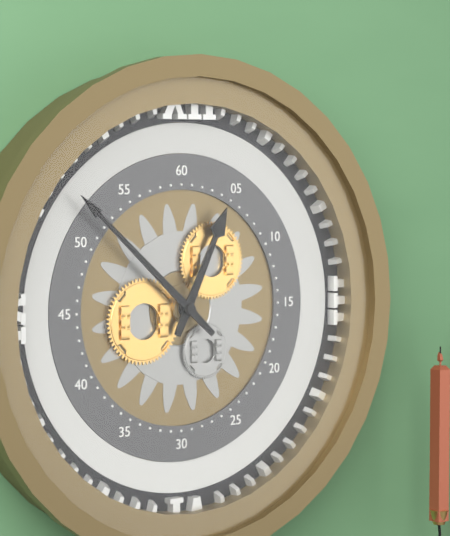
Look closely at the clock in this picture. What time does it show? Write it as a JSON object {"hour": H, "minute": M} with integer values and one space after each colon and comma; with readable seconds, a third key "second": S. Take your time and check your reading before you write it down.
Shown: {"hour": 12, "minute": 52}
